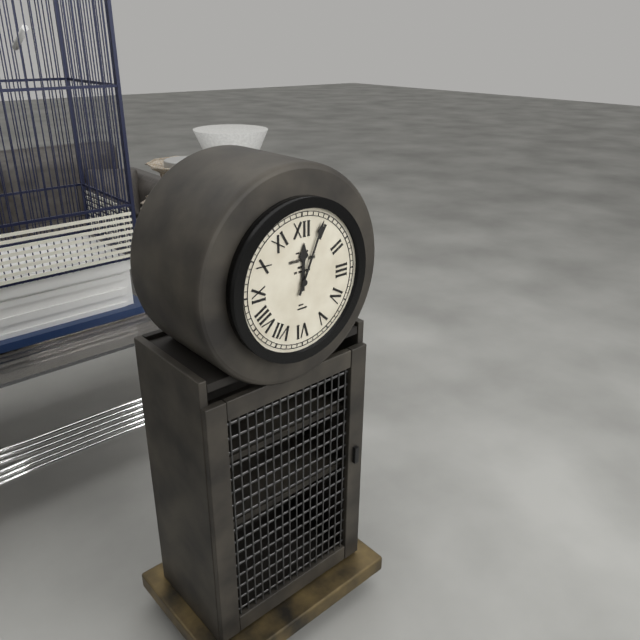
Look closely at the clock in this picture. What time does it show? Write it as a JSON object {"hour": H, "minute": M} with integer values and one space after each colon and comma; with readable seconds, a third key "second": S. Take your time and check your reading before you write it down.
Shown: {"hour": 12, "minute": 4}
